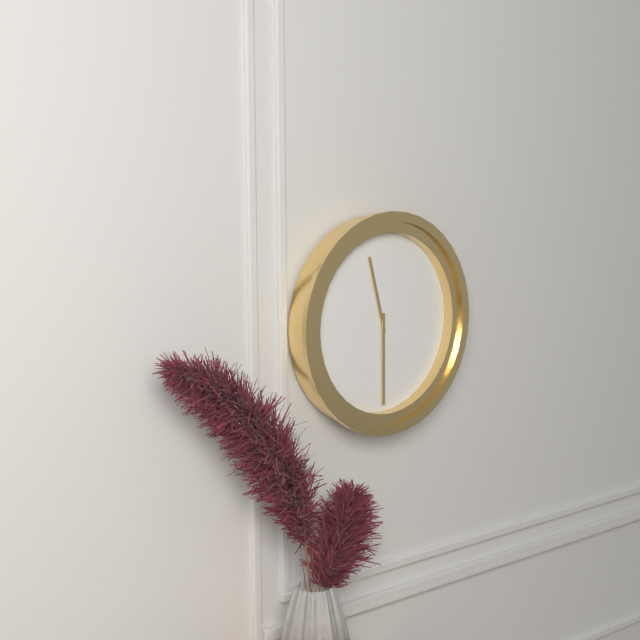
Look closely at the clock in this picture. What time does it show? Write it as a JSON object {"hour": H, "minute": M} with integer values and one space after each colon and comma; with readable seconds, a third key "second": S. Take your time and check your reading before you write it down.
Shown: {"hour": 11, "minute": 30}
